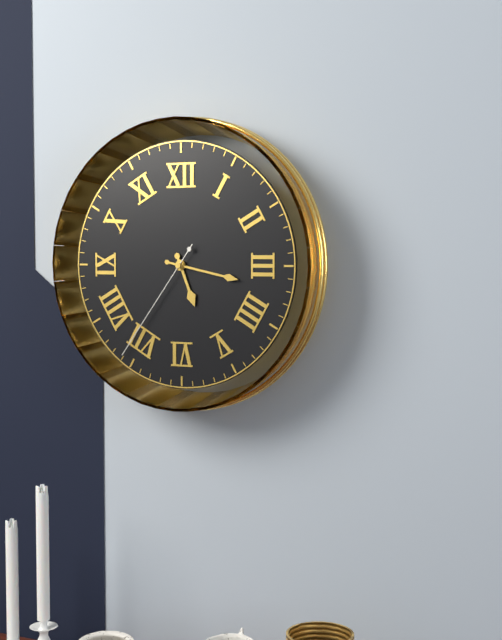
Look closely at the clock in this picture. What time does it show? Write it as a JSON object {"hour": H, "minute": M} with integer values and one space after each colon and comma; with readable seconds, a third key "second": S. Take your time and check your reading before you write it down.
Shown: {"hour": 5, "minute": 17, "second": 36}
